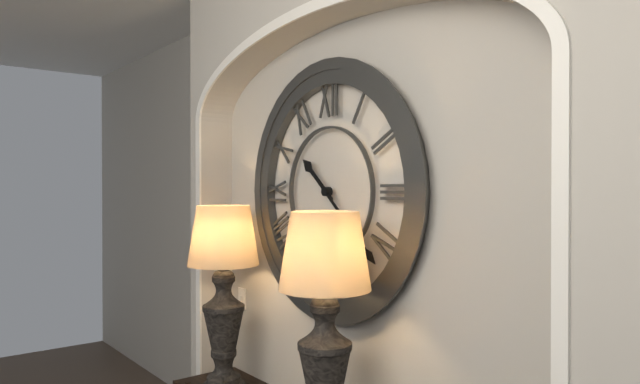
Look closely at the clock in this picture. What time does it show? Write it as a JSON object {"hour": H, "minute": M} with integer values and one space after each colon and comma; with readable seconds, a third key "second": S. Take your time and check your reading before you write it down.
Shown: {"hour": 10, "minute": 22}
